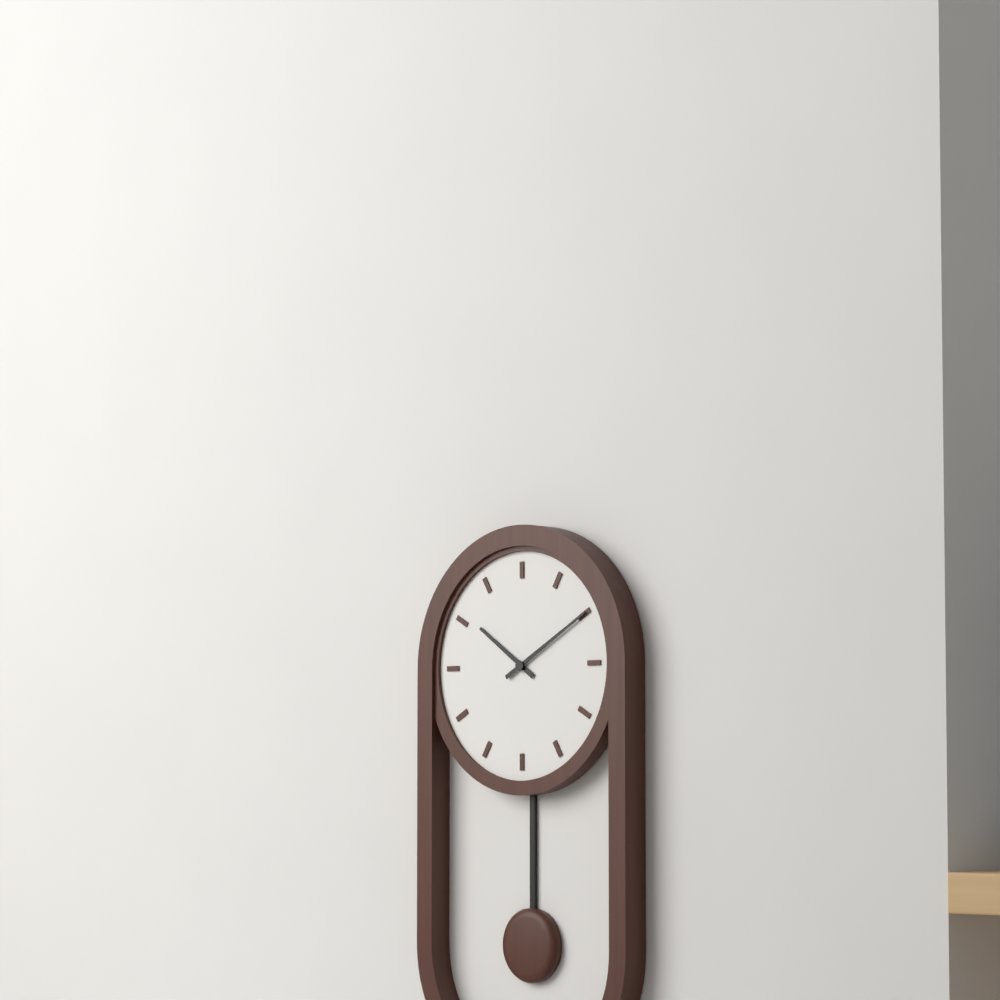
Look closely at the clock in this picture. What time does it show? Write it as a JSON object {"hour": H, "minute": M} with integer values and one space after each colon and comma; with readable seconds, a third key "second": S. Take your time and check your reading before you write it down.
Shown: {"hour": 10, "minute": 10}
